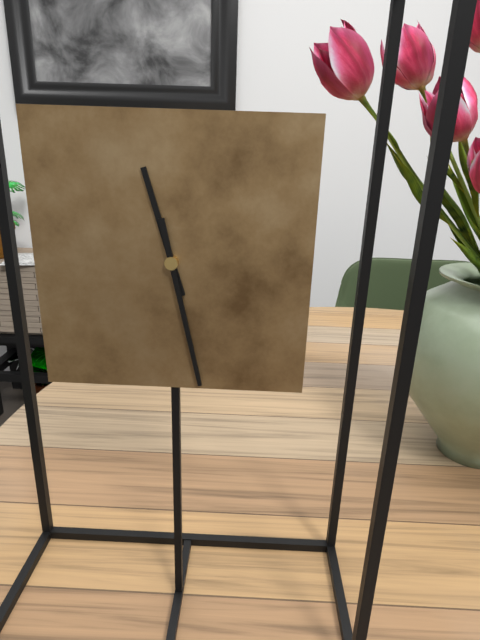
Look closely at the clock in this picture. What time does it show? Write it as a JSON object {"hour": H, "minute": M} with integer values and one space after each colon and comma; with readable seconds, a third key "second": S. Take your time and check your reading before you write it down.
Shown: {"hour": 11, "minute": 28}
